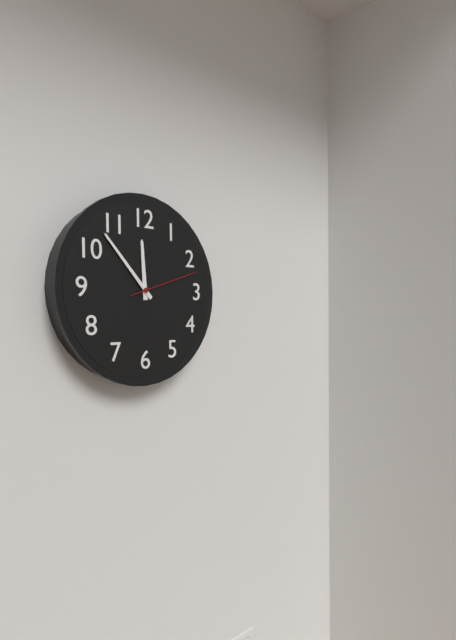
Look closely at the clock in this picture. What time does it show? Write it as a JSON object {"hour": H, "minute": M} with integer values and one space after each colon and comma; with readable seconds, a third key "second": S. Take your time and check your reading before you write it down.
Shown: {"hour": 11, "minute": 53, "second": 12}
